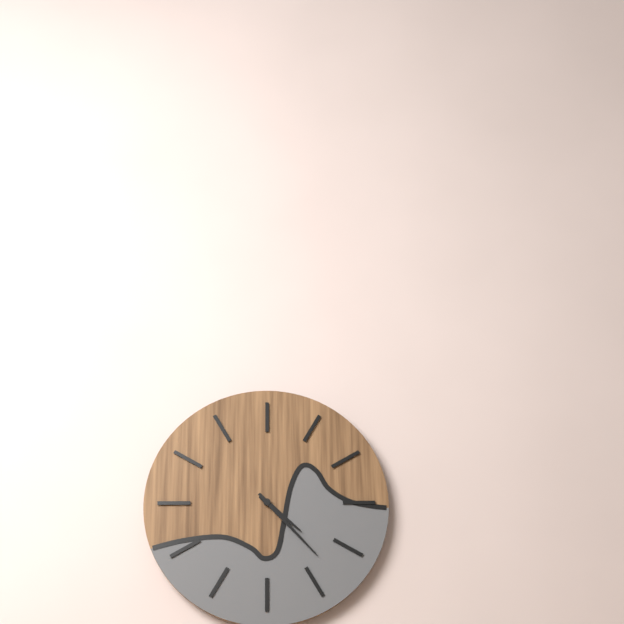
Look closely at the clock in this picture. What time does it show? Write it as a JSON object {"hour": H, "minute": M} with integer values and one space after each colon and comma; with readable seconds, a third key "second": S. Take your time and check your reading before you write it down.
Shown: {"hour": 4, "minute": 23}
